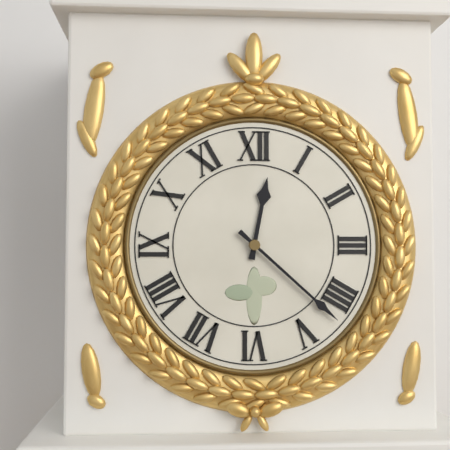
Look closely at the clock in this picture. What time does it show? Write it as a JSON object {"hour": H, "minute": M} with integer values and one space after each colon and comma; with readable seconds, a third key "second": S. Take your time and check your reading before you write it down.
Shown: {"hour": 12, "minute": 22}
